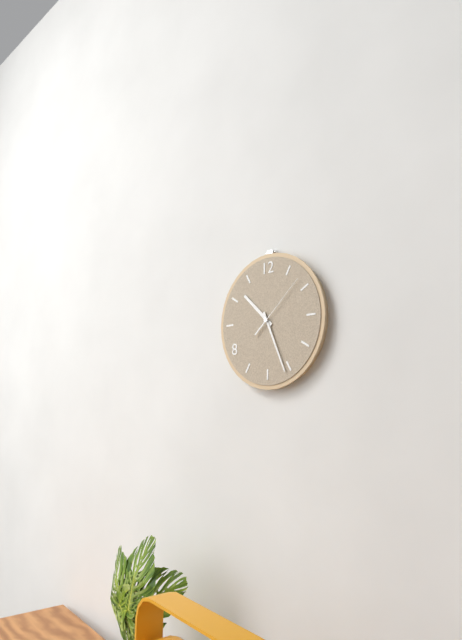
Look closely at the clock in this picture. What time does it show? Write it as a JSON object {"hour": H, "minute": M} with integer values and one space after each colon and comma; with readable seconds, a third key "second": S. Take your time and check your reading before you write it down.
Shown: {"hour": 10, "minute": 26, "second": 8}
